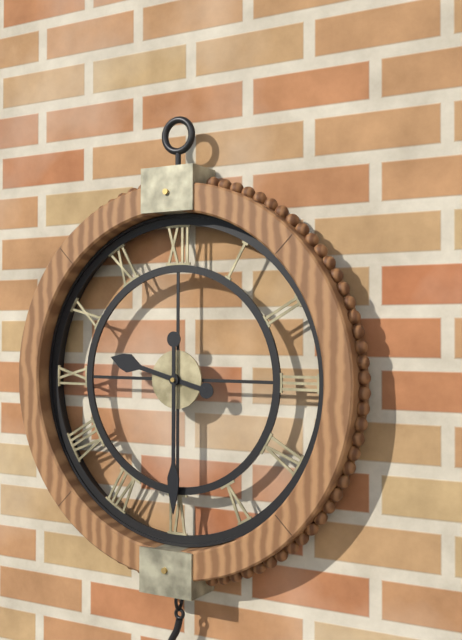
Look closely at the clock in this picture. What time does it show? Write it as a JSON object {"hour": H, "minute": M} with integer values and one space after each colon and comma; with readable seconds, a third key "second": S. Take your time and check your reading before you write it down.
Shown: {"hour": 9, "minute": 30}
